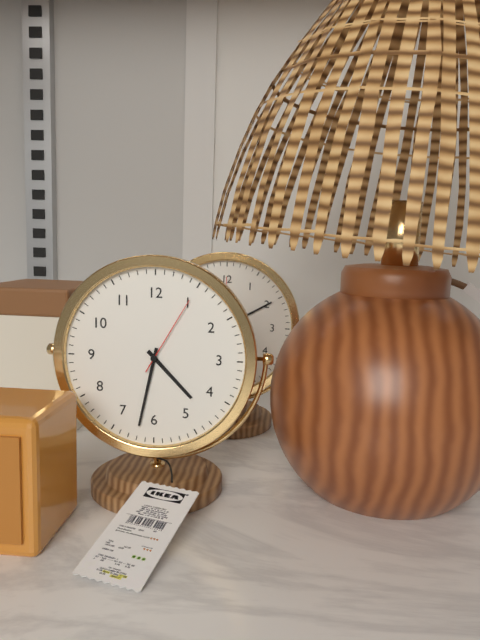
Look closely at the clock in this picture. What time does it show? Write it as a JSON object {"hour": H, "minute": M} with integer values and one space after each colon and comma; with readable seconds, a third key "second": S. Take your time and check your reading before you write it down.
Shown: {"hour": 4, "minute": 32, "second": 5}
